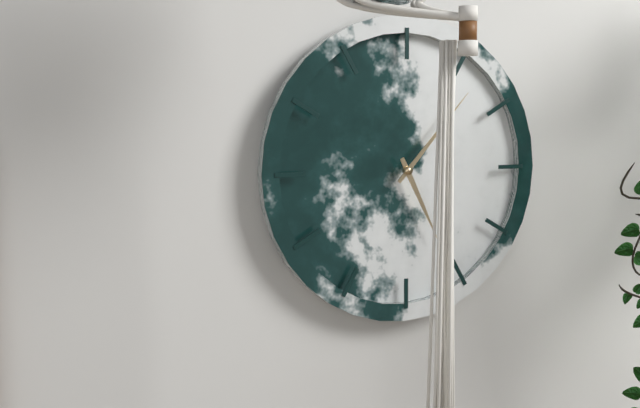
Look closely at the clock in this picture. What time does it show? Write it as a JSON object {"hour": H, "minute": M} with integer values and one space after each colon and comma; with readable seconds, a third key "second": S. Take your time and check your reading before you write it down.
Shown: {"hour": 5, "minute": 7}
